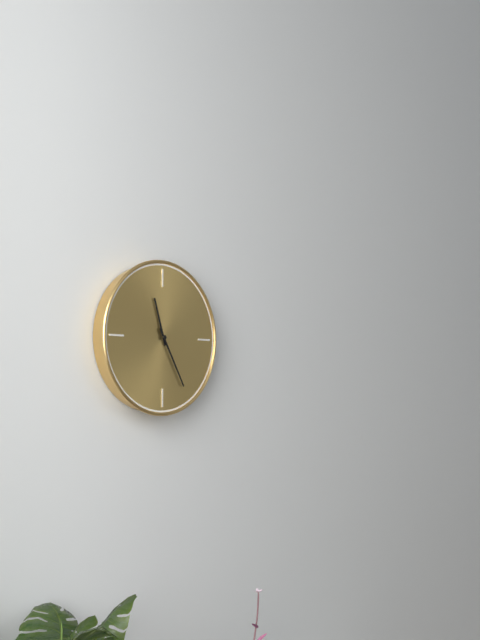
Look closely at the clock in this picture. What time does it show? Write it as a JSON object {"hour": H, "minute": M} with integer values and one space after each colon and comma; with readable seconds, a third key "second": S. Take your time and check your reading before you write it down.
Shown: {"hour": 11, "minute": 25}
